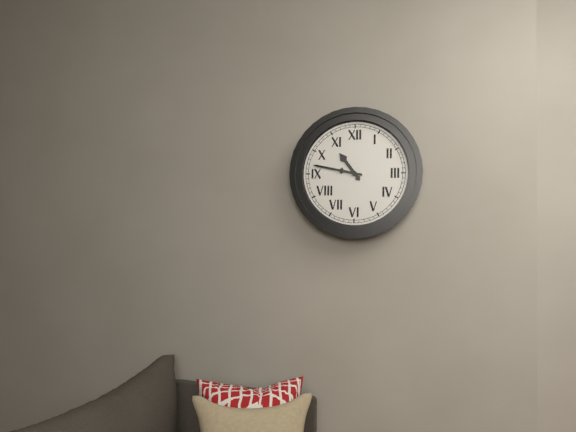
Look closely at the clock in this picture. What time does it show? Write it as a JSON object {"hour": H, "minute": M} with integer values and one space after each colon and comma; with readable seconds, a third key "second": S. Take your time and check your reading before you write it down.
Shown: {"hour": 10, "minute": 47}
